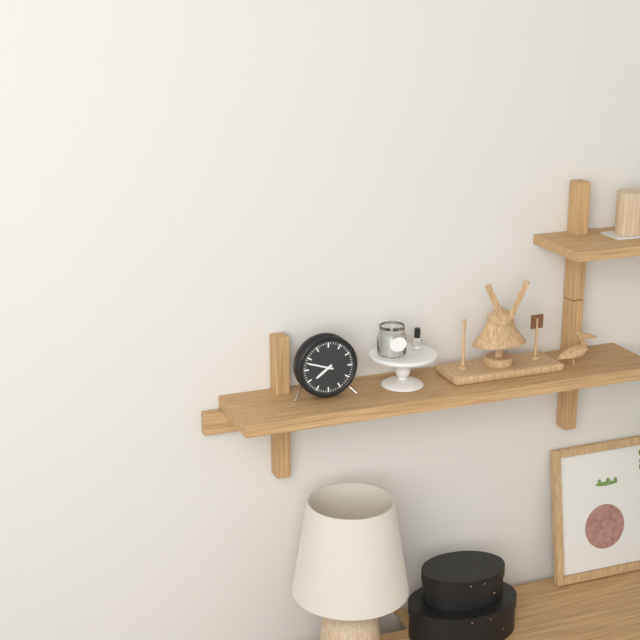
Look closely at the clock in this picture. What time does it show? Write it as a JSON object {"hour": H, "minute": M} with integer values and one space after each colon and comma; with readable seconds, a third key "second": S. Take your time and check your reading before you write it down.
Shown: {"hour": 7, "minute": 48}
